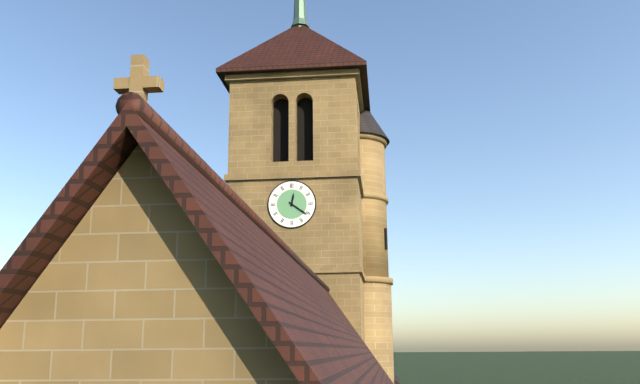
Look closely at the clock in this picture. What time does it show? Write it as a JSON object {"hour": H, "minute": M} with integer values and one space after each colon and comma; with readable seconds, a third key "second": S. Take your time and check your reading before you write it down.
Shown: {"hour": 12, "minute": 21}
